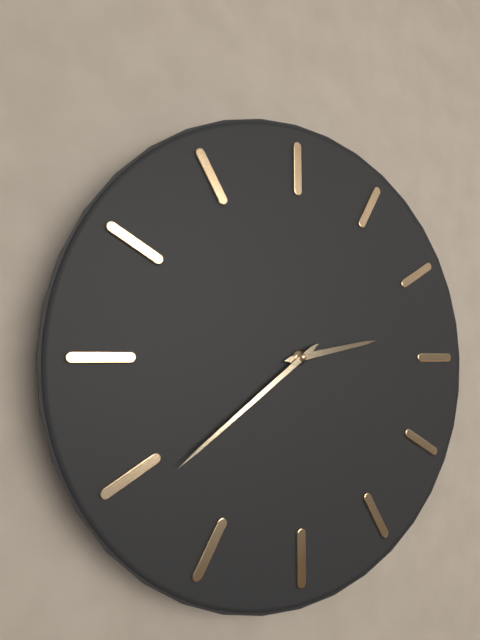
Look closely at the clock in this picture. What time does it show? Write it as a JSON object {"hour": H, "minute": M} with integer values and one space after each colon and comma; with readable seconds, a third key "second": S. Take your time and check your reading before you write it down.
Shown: {"hour": 2, "minute": 39}
